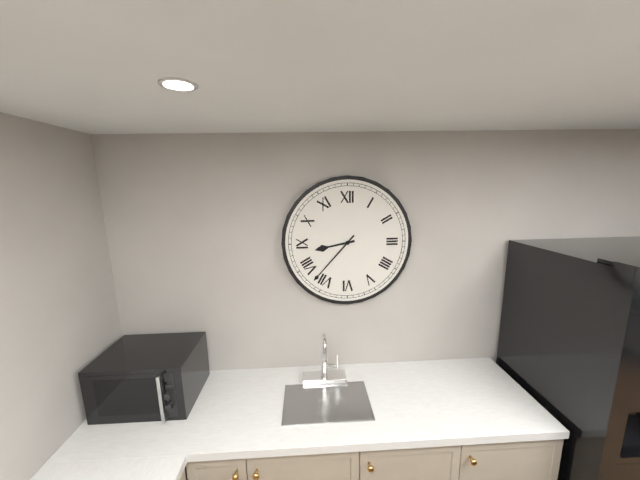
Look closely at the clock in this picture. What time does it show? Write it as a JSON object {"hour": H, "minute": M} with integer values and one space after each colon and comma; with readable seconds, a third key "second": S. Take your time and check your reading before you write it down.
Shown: {"hour": 8, "minute": 37}
